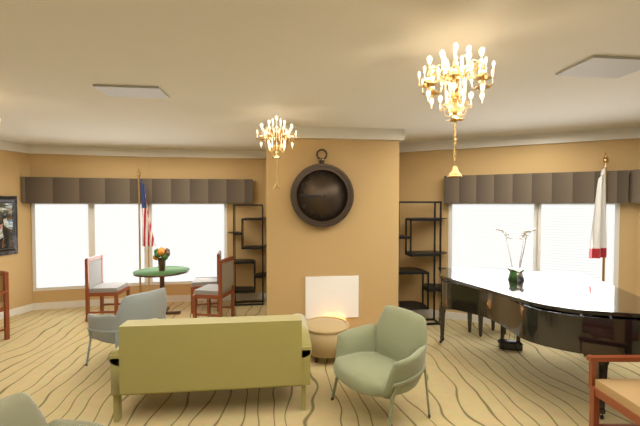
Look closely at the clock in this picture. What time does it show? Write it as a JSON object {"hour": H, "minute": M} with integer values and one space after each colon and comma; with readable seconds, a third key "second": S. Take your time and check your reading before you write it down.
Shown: {"hour": 8, "minute": 45}
